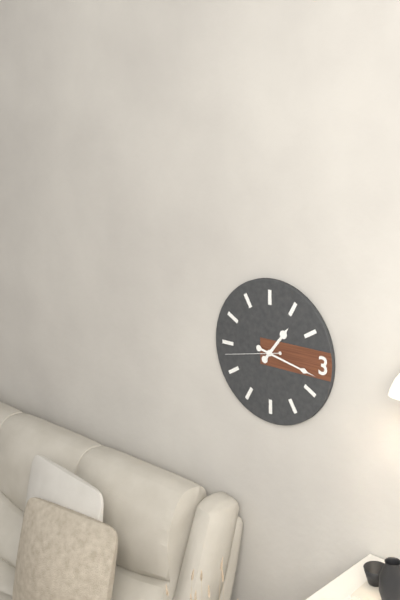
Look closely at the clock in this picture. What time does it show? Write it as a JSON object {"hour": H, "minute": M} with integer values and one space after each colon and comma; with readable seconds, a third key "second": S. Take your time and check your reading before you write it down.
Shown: {"hour": 1, "minute": 17, "second": 43}
